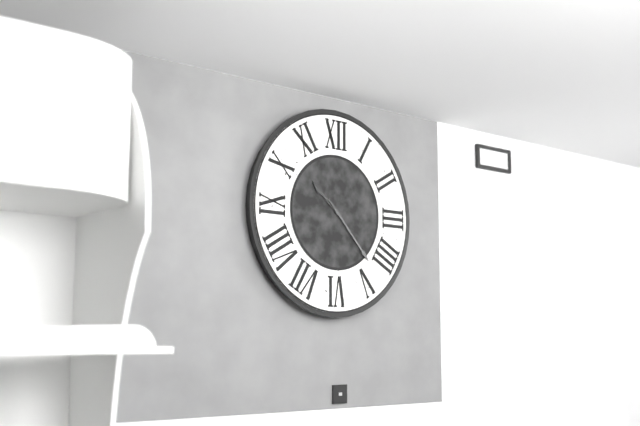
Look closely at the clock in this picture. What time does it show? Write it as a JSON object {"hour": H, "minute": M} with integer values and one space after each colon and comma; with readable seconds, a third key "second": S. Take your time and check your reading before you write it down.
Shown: {"hour": 10, "minute": 23}
